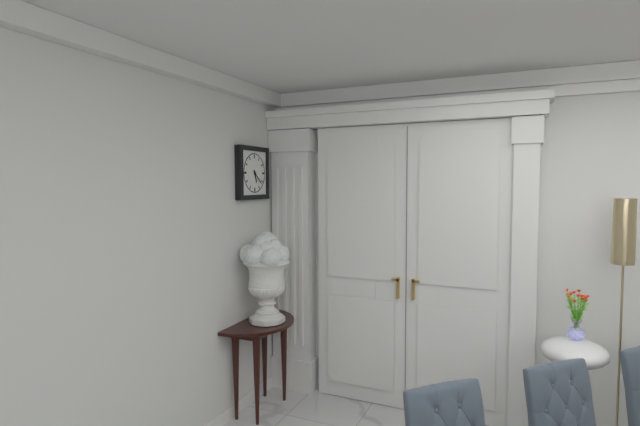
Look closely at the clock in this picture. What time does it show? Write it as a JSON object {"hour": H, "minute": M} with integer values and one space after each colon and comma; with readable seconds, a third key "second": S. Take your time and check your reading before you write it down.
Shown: {"hour": 5, "minute": 22}
